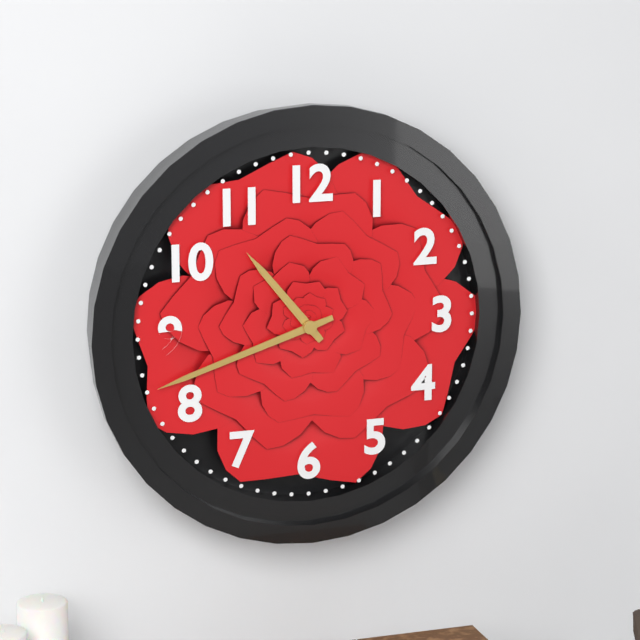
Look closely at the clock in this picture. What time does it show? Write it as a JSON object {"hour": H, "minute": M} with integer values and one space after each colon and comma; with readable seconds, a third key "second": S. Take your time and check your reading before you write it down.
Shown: {"hour": 10, "minute": 42}
